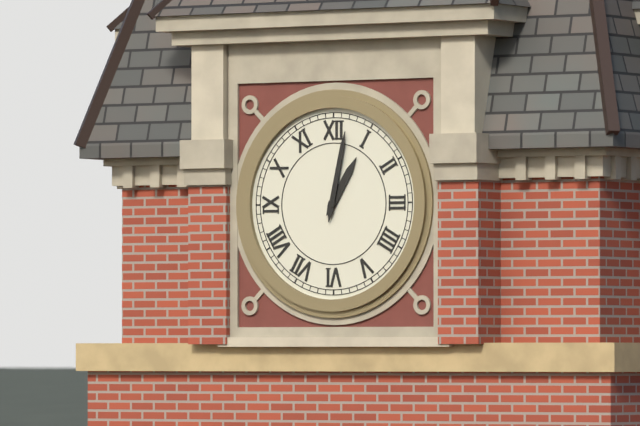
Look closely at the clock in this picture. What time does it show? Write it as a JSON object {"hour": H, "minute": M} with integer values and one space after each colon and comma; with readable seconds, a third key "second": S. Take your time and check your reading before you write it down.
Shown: {"hour": 1, "minute": 2}
